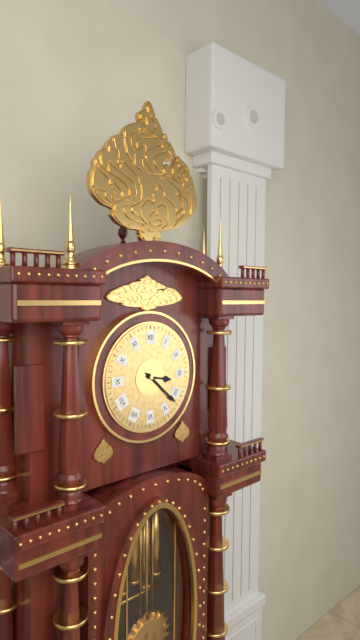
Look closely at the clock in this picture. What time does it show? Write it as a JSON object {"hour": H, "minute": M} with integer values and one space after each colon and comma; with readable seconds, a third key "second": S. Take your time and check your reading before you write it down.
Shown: {"hour": 3, "minute": 22}
